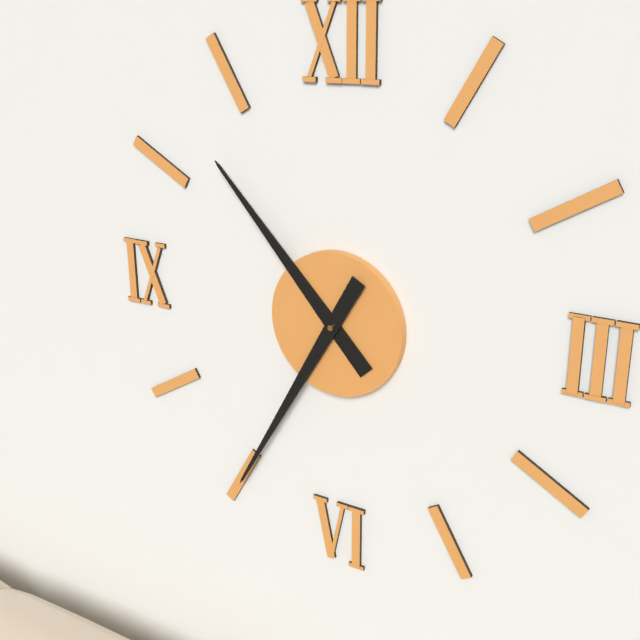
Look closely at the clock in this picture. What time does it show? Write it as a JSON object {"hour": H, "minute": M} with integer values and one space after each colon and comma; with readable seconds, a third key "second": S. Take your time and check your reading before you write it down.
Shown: {"hour": 10, "minute": 35}
